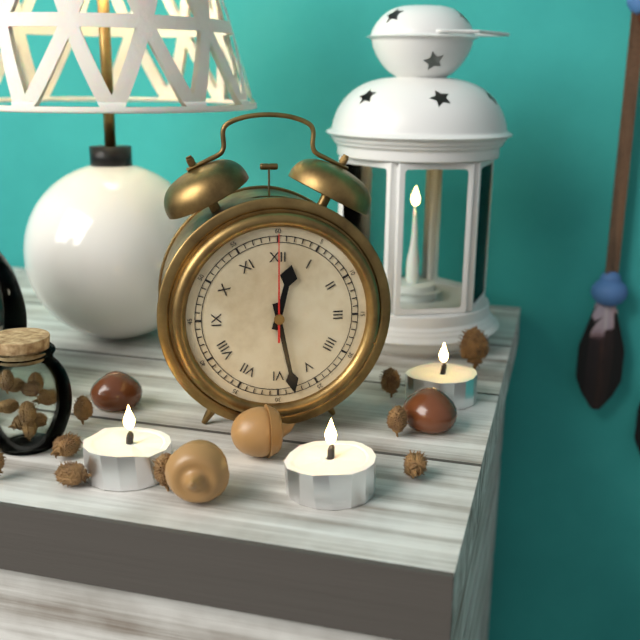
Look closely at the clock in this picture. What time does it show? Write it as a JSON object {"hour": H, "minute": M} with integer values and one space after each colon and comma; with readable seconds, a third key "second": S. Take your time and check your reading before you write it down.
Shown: {"hour": 12, "minute": 28, "second": 0}
